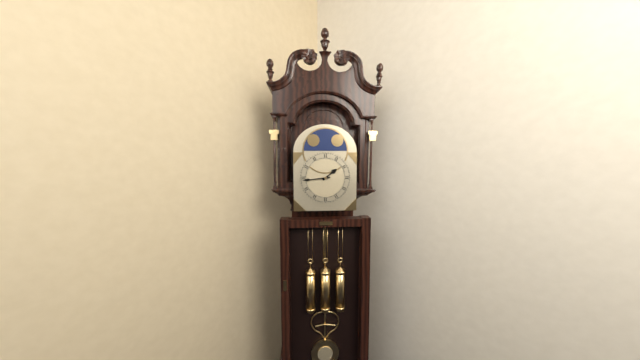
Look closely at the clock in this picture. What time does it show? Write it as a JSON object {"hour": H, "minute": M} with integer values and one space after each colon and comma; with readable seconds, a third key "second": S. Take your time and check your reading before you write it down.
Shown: {"hour": 1, "minute": 44}
